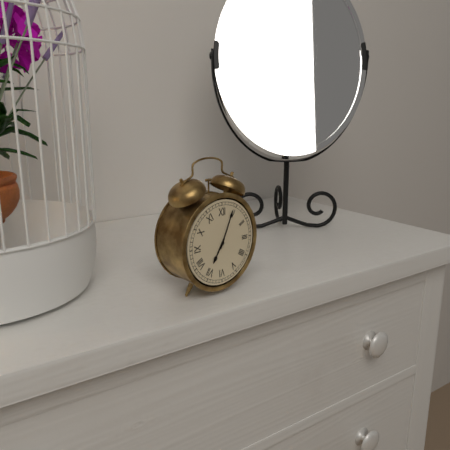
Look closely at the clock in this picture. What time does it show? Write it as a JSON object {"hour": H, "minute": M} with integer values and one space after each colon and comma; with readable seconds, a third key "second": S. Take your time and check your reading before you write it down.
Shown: {"hour": 7, "minute": 4}
